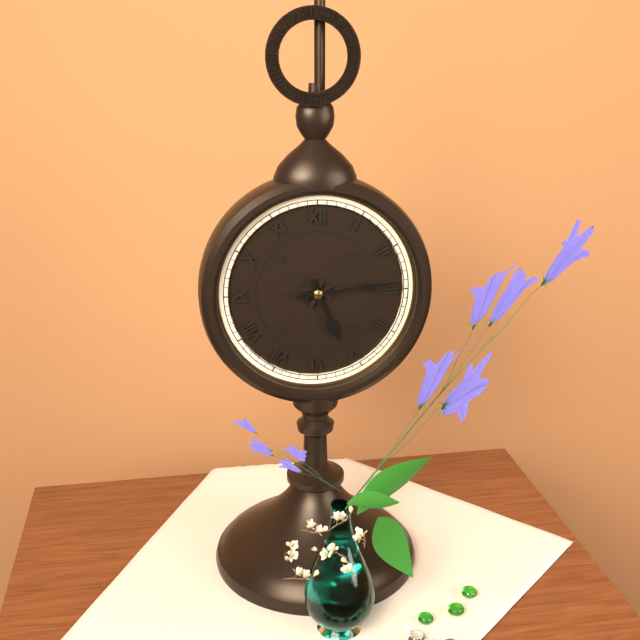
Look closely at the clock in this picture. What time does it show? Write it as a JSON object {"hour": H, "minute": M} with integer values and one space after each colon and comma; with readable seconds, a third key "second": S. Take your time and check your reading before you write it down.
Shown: {"hour": 5, "minute": 14}
